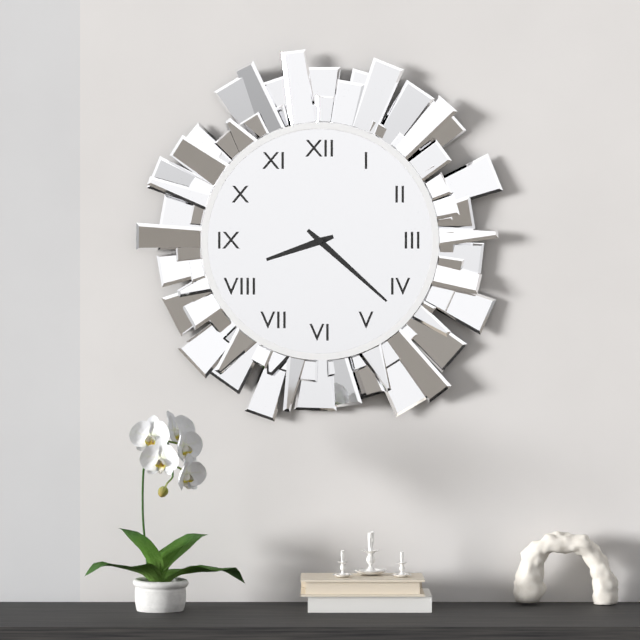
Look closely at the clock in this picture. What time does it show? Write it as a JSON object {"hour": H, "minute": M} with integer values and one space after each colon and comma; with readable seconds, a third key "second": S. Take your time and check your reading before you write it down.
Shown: {"hour": 8, "minute": 22}
